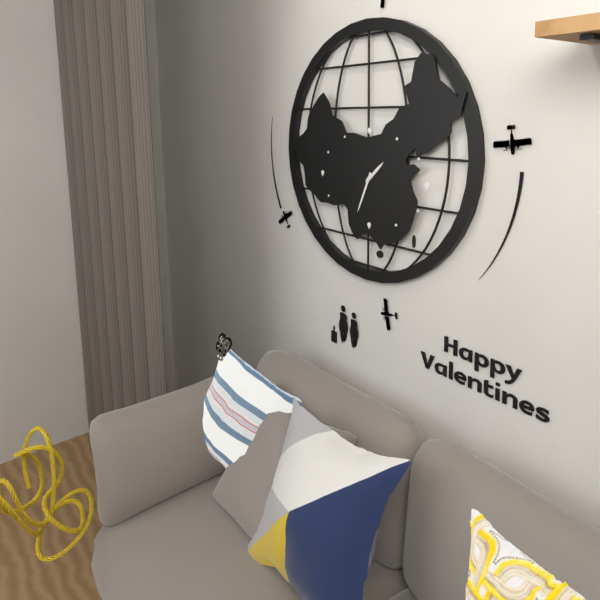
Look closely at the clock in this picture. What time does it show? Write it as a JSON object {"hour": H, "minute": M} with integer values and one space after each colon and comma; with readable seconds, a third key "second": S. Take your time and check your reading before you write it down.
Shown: {"hour": 1, "minute": 34}
